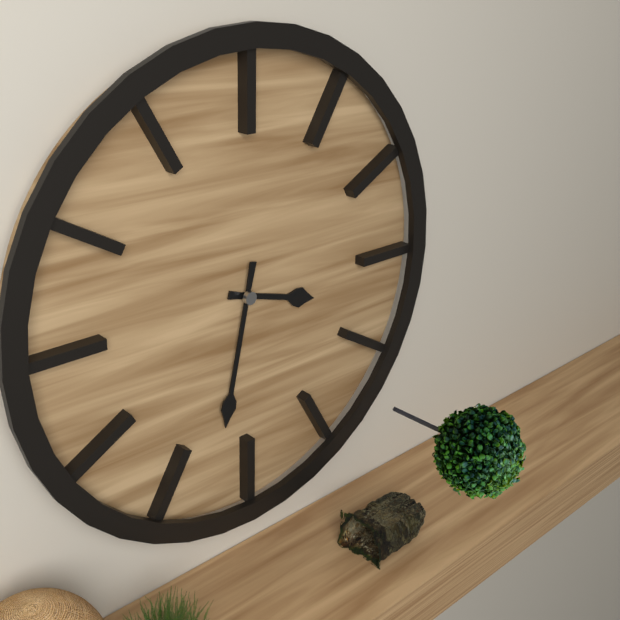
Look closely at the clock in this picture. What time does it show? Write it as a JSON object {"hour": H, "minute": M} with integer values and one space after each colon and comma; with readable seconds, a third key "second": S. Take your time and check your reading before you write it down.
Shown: {"hour": 3, "minute": 32}
